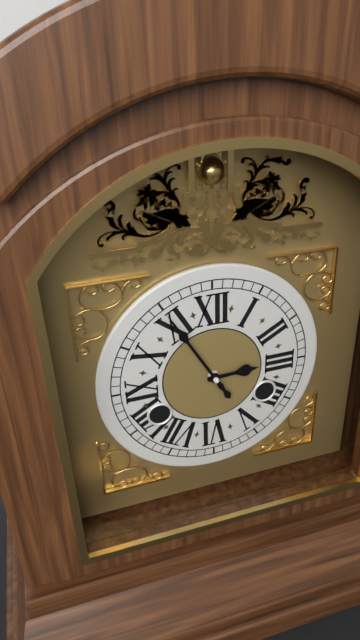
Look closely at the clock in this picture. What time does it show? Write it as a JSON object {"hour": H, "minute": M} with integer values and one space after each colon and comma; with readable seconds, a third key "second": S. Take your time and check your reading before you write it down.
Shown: {"hour": 2, "minute": 55}
